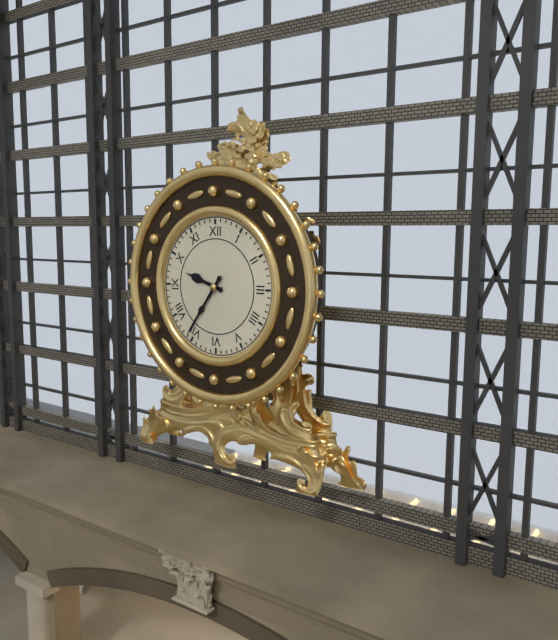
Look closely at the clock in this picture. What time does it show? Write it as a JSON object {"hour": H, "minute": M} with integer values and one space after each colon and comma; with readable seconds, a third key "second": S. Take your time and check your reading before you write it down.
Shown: {"hour": 9, "minute": 36}
